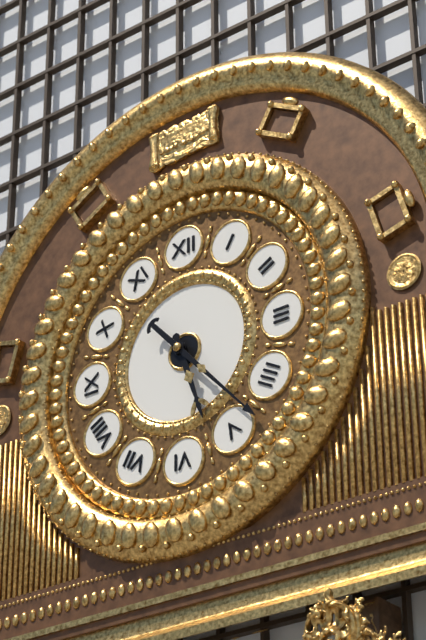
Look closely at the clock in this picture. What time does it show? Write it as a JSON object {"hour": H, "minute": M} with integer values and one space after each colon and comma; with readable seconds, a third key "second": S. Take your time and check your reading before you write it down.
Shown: {"hour": 5, "minute": 23}
